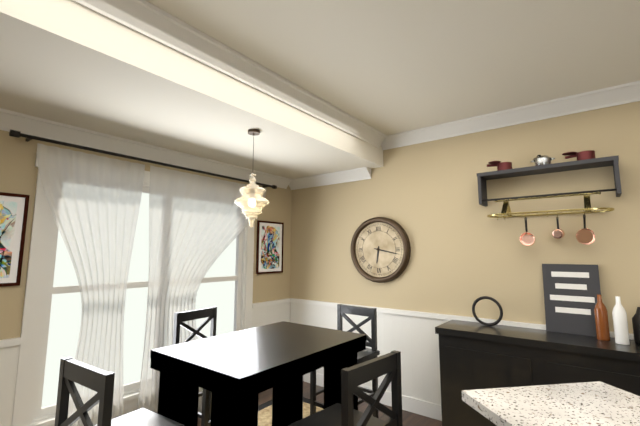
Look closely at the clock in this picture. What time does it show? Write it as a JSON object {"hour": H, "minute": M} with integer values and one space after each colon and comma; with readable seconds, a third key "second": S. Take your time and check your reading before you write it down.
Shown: {"hour": 6, "minute": 17}
